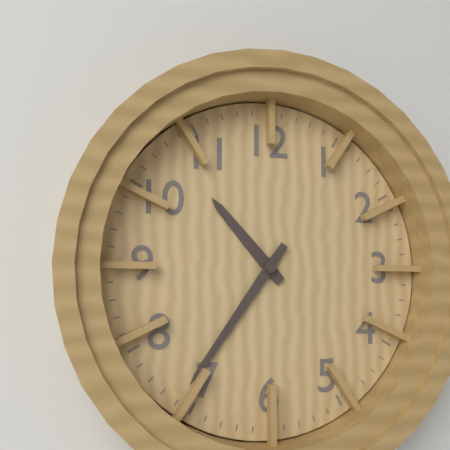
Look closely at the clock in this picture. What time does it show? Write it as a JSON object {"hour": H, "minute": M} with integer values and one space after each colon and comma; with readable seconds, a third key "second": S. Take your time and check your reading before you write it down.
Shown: {"hour": 10, "minute": 36}
